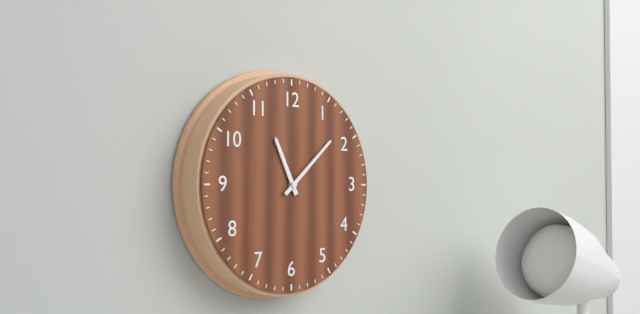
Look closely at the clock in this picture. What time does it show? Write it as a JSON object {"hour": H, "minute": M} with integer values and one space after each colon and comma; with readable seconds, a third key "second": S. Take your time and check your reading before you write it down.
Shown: {"hour": 11, "minute": 8}
